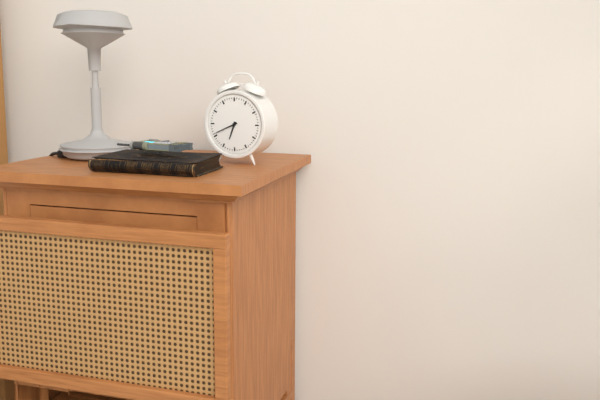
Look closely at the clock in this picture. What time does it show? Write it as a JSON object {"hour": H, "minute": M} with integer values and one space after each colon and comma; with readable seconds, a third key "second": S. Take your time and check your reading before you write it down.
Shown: {"hour": 6, "minute": 41}
